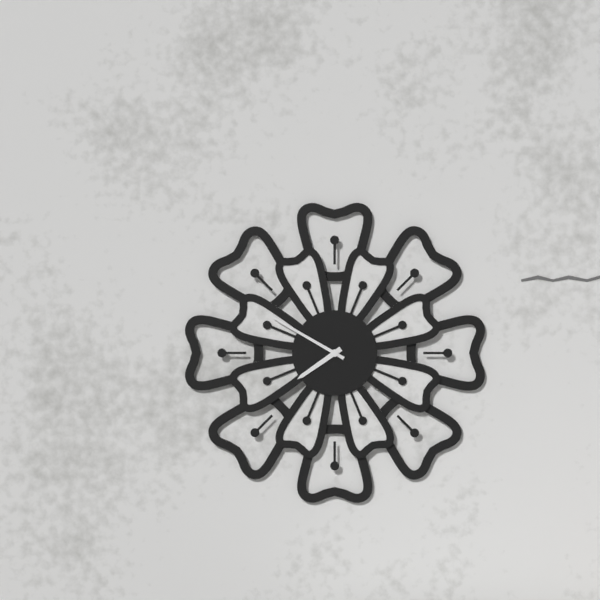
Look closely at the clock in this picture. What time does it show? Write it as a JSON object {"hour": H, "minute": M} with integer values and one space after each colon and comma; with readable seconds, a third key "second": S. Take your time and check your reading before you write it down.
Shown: {"hour": 7, "minute": 50}
